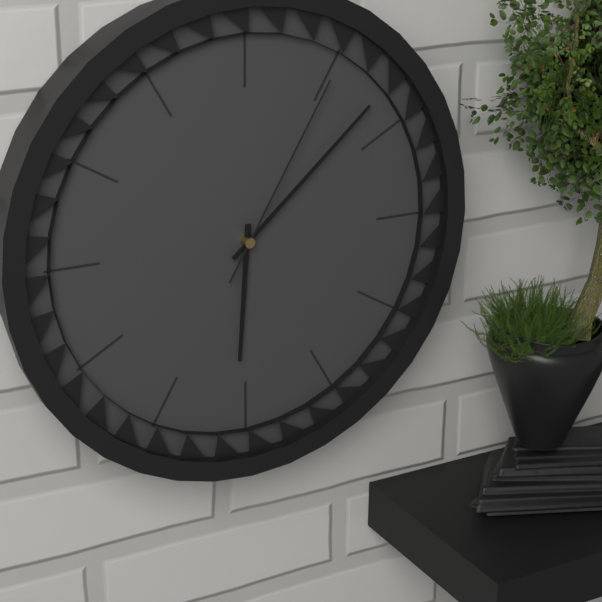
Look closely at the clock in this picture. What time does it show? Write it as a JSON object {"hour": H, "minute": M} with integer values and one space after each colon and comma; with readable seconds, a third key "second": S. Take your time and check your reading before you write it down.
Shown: {"hour": 6, "minute": 8, "second": 5}
